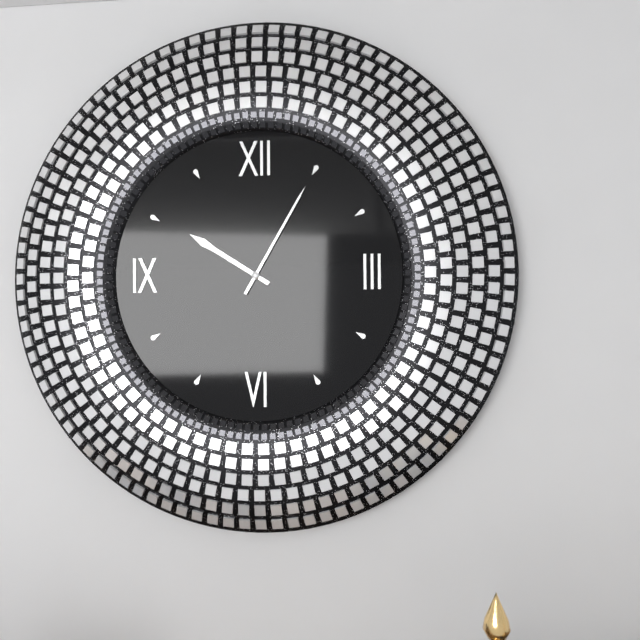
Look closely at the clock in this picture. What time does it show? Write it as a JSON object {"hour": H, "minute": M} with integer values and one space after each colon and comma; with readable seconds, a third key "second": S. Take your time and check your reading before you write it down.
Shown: {"hour": 10, "minute": 5}
